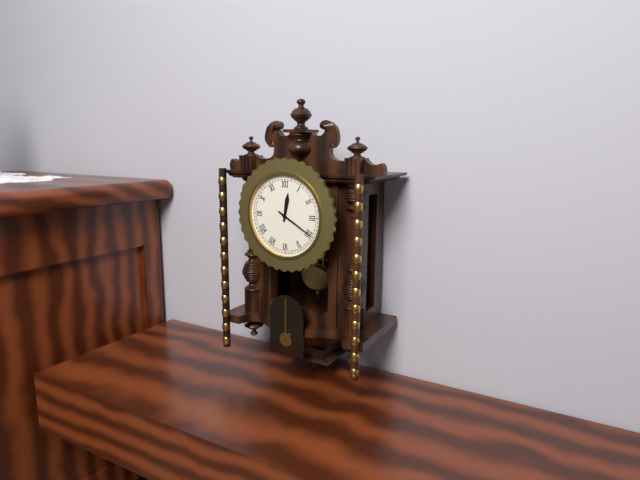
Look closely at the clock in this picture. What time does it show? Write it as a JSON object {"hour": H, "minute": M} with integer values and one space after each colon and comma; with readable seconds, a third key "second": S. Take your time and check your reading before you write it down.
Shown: {"hour": 12, "minute": 20}
